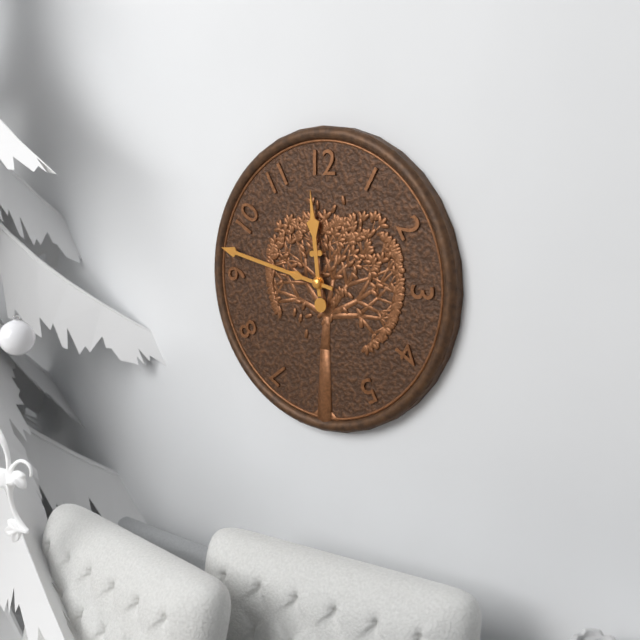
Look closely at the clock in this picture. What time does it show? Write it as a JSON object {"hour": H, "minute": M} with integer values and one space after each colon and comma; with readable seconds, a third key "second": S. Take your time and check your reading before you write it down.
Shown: {"hour": 11, "minute": 47}
